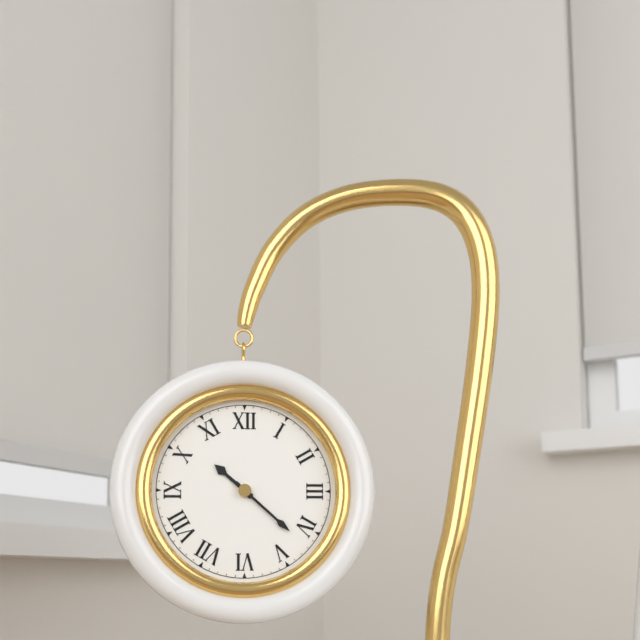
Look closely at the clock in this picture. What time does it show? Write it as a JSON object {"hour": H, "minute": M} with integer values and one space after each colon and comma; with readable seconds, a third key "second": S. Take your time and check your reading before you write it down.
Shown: {"hour": 10, "minute": 22}
